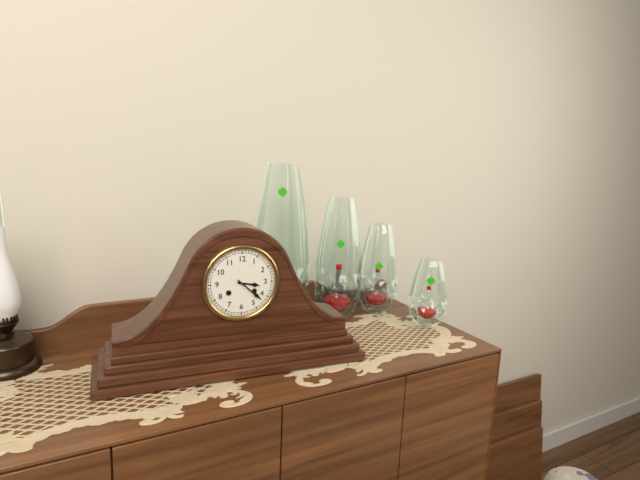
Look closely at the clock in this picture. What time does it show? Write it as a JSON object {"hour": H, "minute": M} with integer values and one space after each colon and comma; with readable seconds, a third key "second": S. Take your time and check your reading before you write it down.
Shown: {"hour": 3, "minute": 22}
